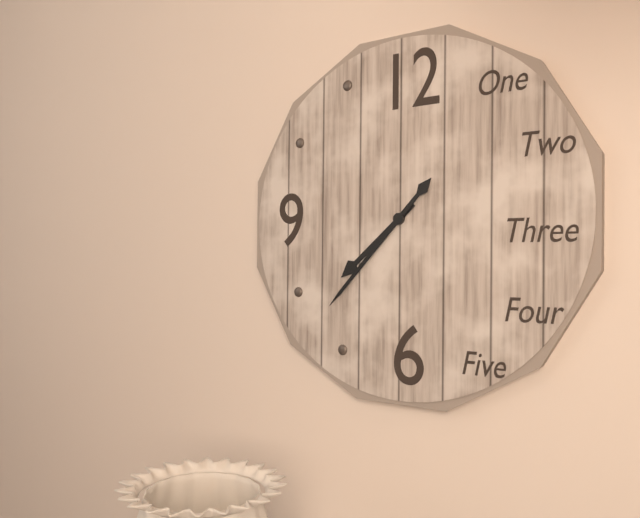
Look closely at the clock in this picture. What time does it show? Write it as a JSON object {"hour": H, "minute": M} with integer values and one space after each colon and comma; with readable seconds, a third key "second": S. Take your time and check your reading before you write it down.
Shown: {"hour": 7, "minute": 37}
